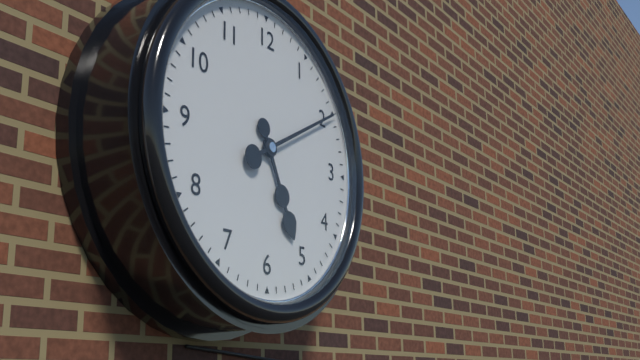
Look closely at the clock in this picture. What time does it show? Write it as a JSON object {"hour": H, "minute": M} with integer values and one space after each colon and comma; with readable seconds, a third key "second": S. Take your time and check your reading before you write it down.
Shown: {"hour": 5, "minute": 10}
